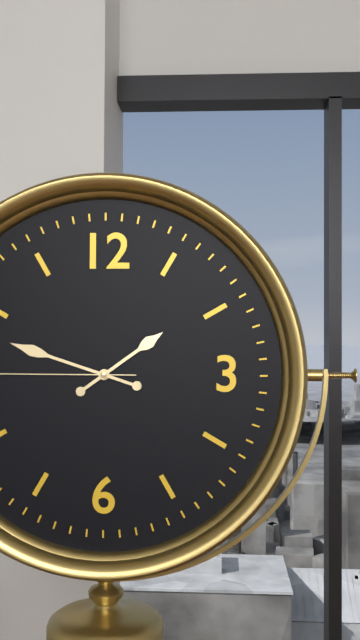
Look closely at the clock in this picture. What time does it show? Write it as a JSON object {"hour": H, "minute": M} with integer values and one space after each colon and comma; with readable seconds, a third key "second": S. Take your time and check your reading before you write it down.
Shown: {"hour": 1, "minute": 48}
